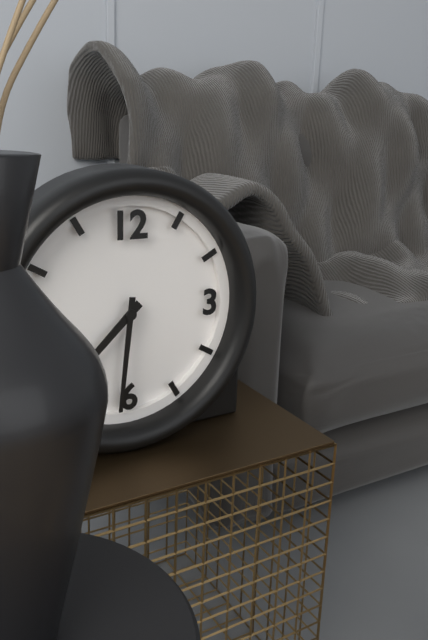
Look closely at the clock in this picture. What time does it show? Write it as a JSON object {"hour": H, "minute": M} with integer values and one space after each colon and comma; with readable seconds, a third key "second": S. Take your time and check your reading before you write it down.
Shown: {"hour": 7, "minute": 31}
